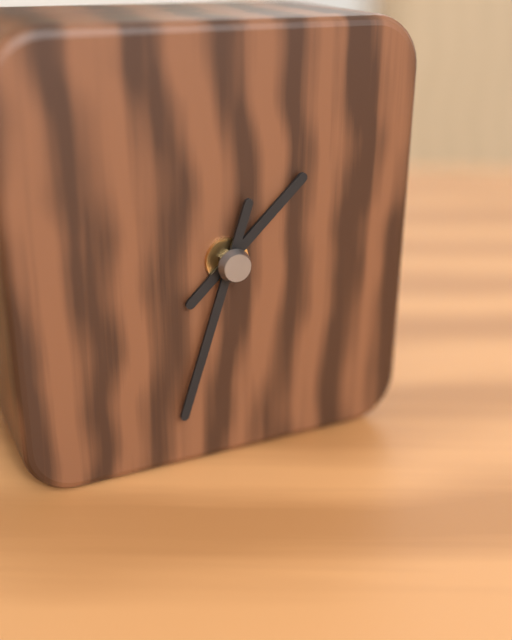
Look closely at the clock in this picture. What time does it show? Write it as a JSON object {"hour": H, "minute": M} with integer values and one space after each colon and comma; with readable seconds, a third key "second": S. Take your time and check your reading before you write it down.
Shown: {"hour": 1, "minute": 33}
